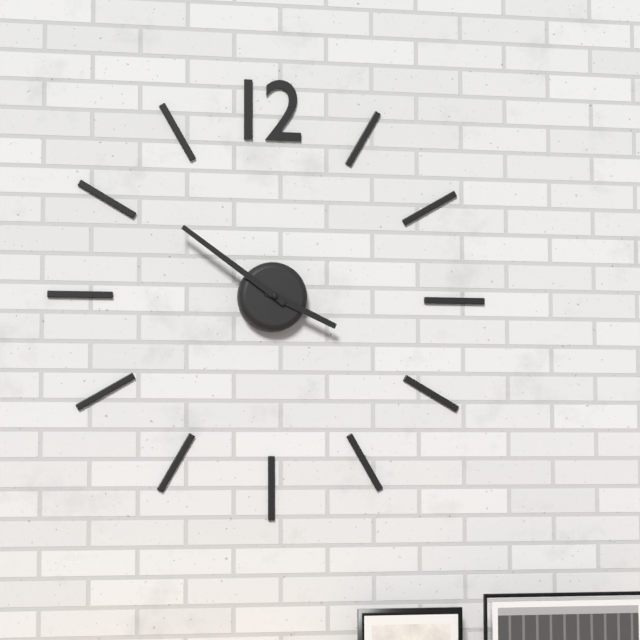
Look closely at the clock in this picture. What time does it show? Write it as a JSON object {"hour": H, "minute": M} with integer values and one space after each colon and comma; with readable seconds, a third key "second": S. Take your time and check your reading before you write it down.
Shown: {"hour": 3, "minute": 51}
